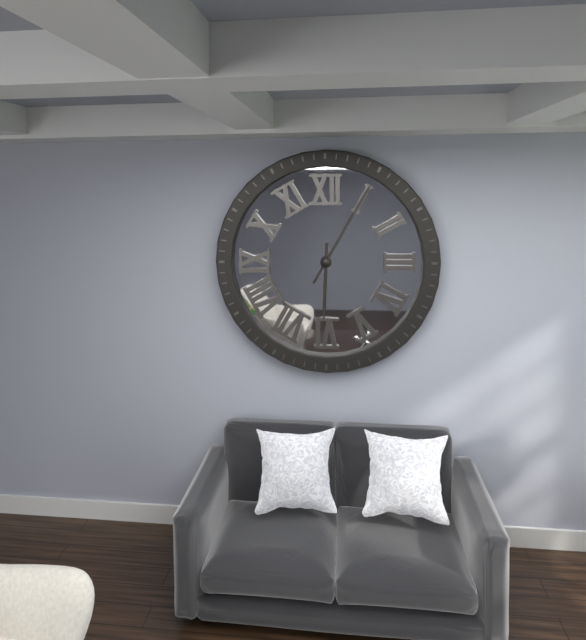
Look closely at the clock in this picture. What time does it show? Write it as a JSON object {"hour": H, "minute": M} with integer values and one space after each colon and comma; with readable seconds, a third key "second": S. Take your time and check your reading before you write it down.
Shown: {"hour": 6, "minute": 5}
